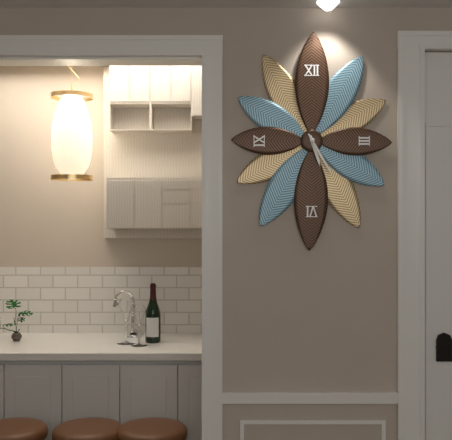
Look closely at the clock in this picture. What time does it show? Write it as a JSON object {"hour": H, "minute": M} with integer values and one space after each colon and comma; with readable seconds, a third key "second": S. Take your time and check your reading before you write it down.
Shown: {"hour": 5, "minute": 25}
